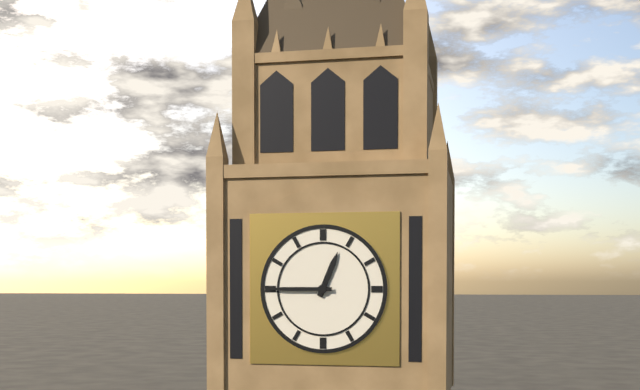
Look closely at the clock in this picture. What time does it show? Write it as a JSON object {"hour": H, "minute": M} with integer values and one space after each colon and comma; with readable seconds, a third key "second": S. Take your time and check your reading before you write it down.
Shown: {"hour": 12, "minute": 45}
